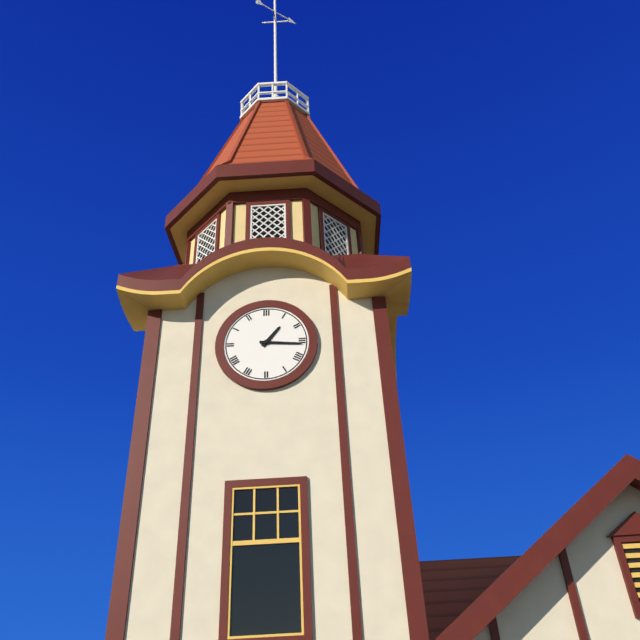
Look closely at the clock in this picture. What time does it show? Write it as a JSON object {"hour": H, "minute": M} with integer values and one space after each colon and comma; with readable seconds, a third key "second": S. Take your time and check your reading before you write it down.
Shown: {"hour": 1, "minute": 16}
